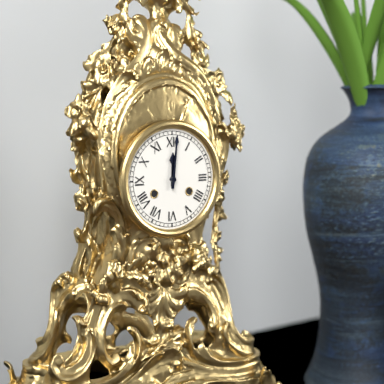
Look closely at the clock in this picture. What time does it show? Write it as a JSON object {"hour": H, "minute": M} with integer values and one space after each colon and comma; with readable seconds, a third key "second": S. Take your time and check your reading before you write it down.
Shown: {"hour": 12, "minute": 1}
